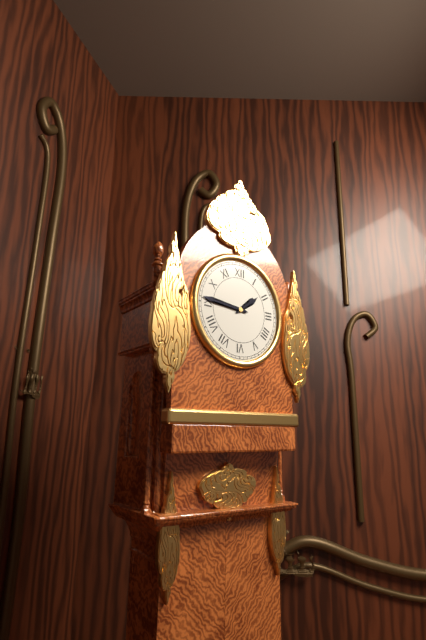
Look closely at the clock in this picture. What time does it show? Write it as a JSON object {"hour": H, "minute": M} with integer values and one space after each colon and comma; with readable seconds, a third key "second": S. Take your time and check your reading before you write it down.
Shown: {"hour": 1, "minute": 46}
